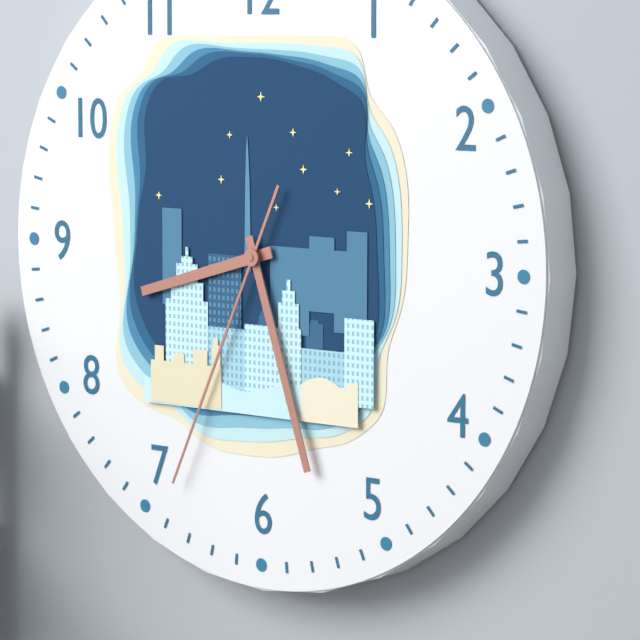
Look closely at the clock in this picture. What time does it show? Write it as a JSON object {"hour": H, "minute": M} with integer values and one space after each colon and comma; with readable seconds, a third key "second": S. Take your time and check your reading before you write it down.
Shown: {"hour": 8, "minute": 27, "second": 34}
